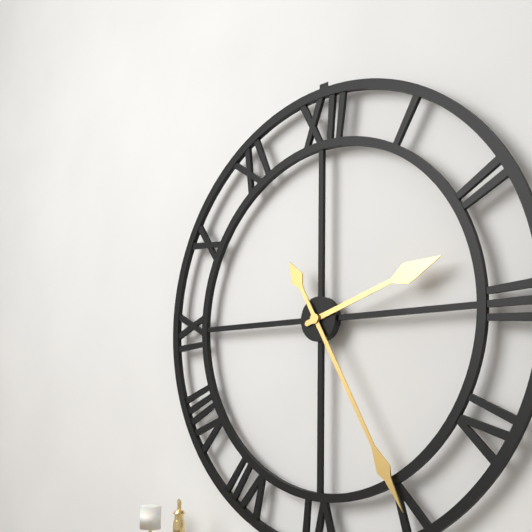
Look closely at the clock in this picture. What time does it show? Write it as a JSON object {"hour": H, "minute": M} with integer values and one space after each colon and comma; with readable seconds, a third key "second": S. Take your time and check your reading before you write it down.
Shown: {"hour": 2, "minute": 25}
